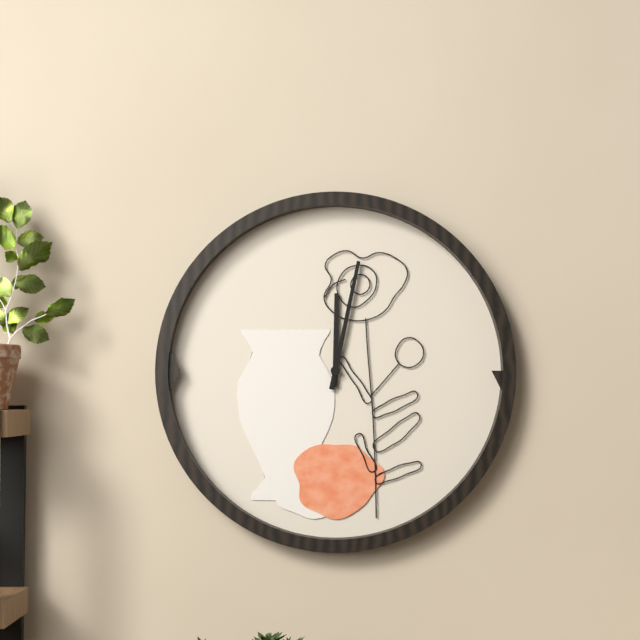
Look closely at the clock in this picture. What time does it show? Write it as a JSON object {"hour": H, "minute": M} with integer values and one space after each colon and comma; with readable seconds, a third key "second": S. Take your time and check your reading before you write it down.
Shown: {"hour": 12, "minute": 2}
